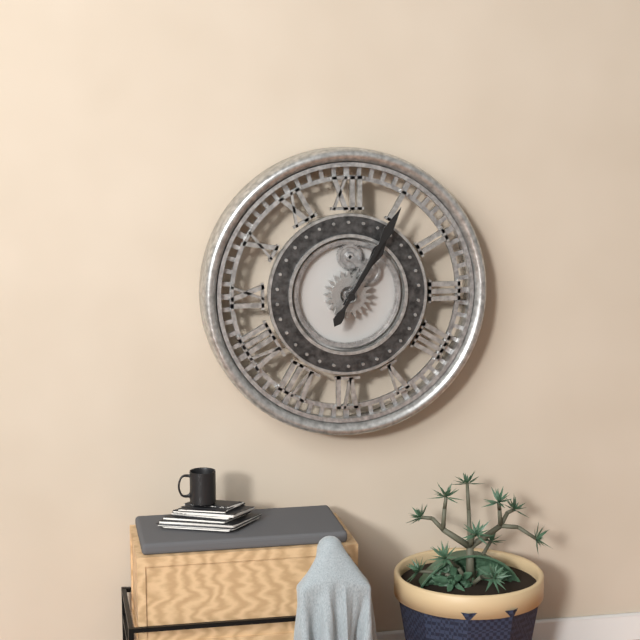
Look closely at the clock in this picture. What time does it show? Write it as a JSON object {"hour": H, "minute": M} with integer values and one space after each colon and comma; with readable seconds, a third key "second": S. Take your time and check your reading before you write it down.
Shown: {"hour": 1, "minute": 5}
